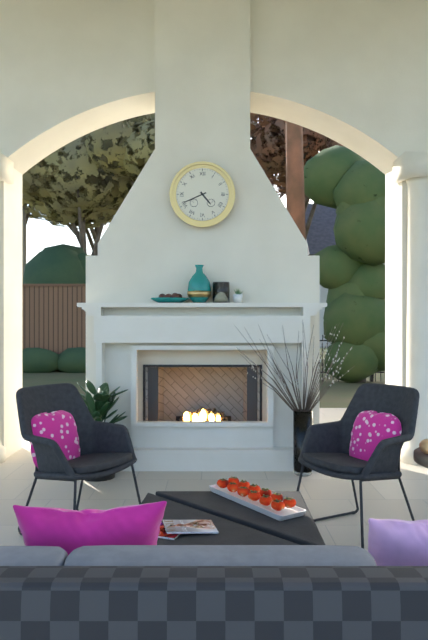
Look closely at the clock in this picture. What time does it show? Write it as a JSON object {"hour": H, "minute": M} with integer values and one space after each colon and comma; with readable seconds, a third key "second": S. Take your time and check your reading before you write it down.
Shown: {"hour": 4, "minute": 41}
